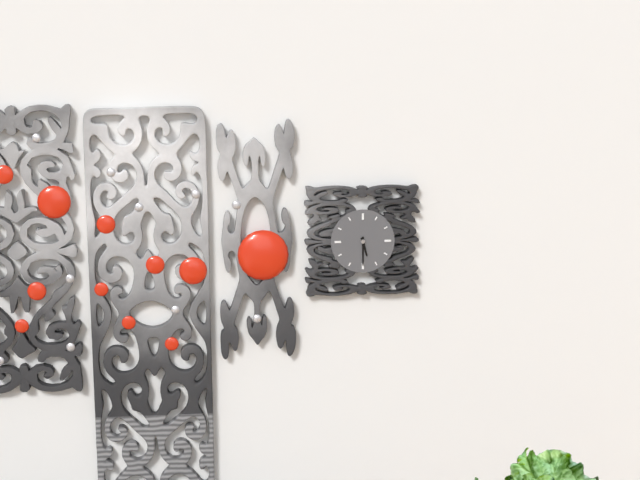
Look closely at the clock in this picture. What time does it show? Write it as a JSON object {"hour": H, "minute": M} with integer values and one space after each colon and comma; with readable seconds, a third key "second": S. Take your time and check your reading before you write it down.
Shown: {"hour": 5, "minute": 30}
